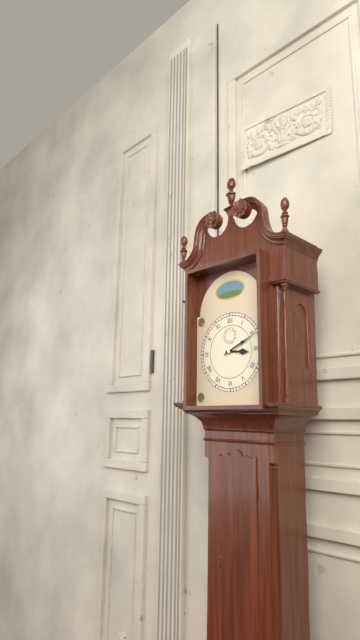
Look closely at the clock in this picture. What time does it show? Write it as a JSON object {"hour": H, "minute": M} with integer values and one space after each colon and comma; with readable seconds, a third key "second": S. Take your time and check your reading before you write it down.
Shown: {"hour": 3, "minute": 11}
